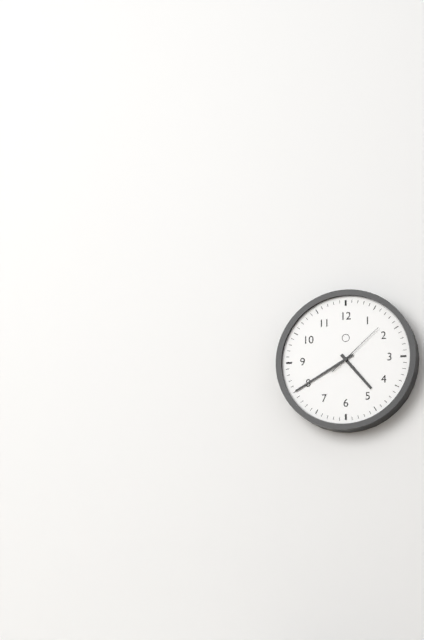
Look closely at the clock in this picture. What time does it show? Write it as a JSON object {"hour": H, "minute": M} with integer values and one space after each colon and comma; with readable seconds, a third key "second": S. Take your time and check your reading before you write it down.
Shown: {"hour": 4, "minute": 40, "second": 8}
